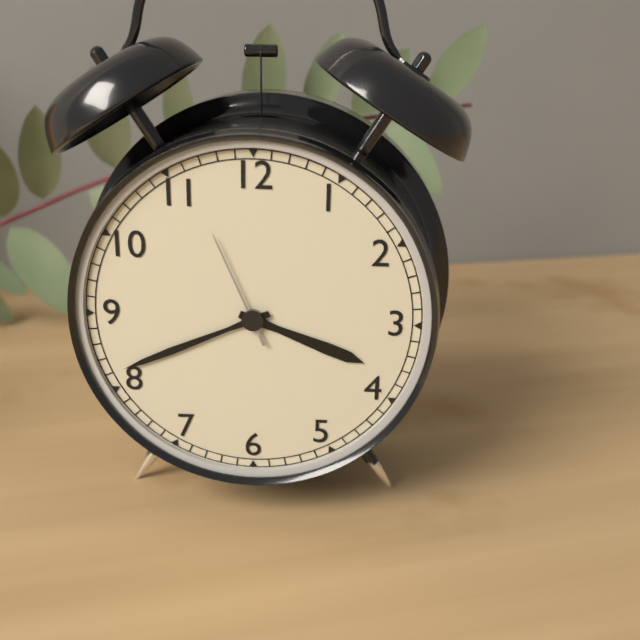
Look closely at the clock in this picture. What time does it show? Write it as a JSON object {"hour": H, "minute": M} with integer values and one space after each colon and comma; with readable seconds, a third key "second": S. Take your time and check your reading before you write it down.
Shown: {"hour": 3, "minute": 41, "second": 56}
